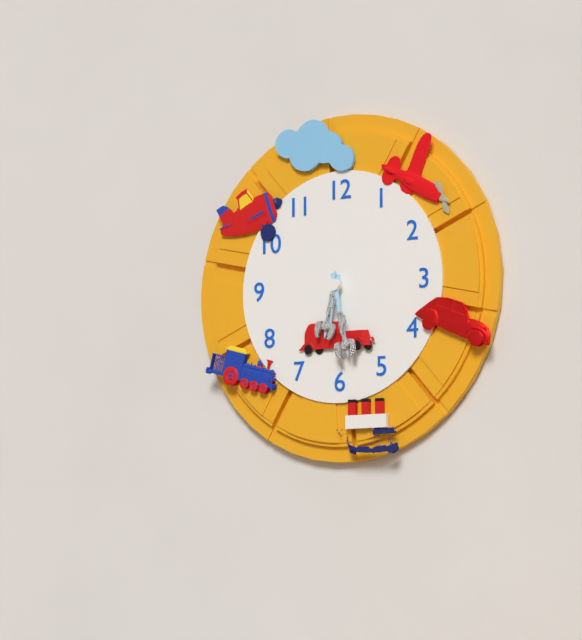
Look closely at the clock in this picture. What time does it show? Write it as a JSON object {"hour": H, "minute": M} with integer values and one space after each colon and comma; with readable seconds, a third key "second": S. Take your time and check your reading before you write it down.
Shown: {"hour": 6, "minute": 28, "second": 31}
